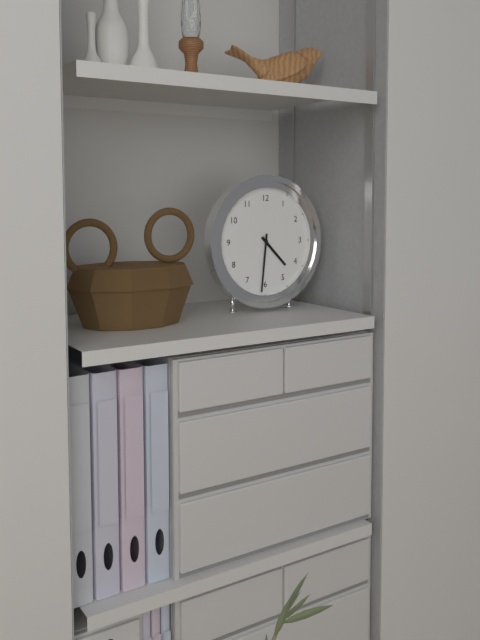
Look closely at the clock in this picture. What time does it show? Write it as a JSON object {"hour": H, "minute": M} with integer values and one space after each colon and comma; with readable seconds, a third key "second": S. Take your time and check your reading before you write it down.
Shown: {"hour": 4, "minute": 31}
